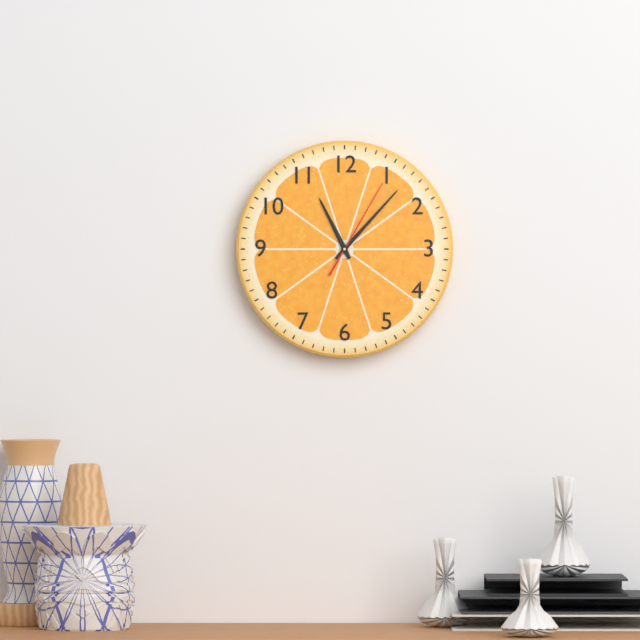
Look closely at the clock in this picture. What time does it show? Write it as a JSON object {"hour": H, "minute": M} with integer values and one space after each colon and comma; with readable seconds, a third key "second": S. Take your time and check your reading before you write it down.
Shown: {"hour": 11, "minute": 7, "second": 5}
